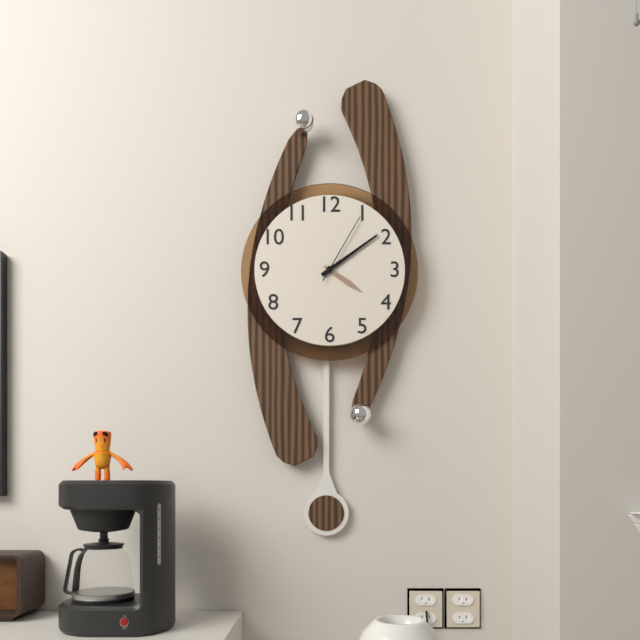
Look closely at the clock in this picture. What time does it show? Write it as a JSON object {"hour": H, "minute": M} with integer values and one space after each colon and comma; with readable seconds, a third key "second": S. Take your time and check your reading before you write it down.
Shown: {"hour": 4, "minute": 9, "second": 5}
